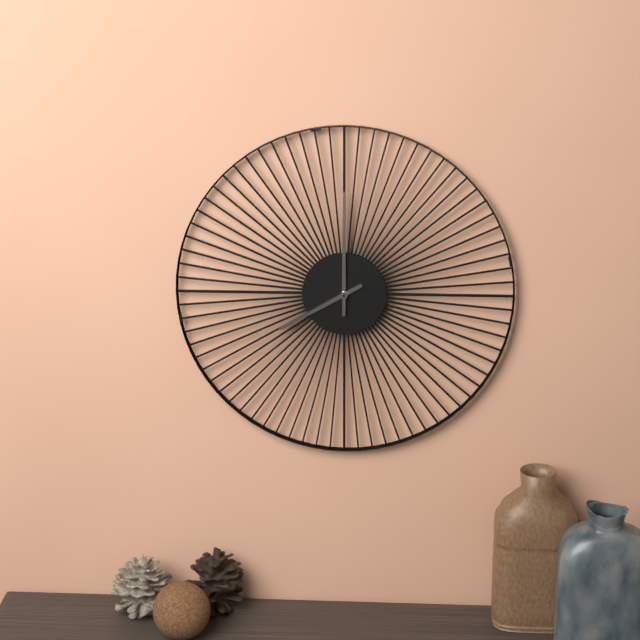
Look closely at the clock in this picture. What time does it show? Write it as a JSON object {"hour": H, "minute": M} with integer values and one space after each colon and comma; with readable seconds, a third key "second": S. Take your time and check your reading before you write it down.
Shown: {"hour": 8, "minute": 0}
